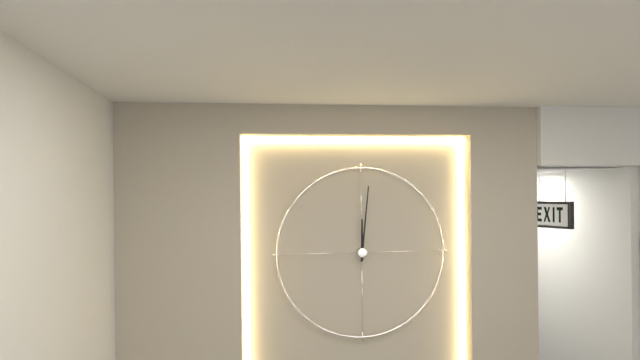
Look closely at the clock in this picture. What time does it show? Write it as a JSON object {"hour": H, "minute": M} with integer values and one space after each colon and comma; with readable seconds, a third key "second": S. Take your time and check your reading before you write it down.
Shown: {"hour": 12, "minute": 1}
